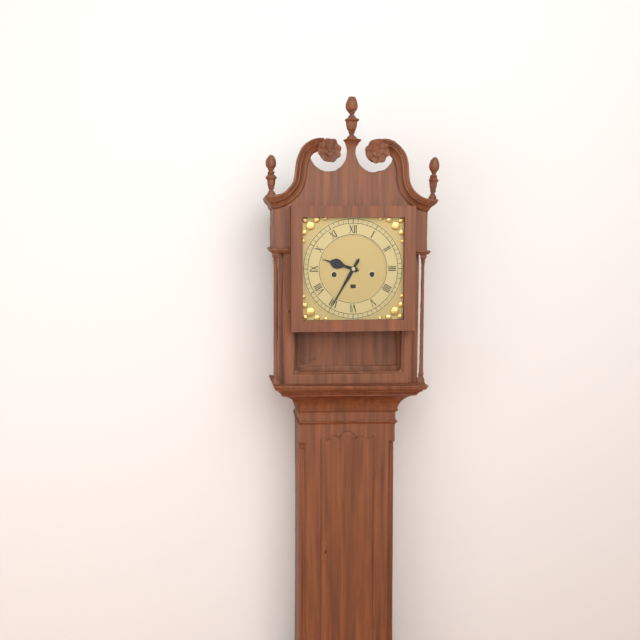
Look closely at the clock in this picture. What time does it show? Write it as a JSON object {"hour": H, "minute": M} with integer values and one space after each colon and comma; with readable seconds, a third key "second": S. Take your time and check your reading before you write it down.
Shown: {"hour": 9, "minute": 35}
